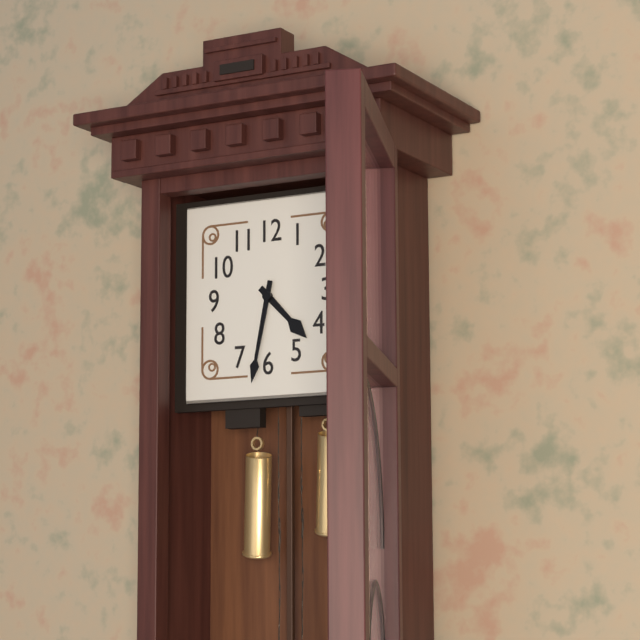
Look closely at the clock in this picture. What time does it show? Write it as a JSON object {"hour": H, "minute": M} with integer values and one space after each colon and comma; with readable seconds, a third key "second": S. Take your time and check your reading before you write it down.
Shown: {"hour": 4, "minute": 32}
